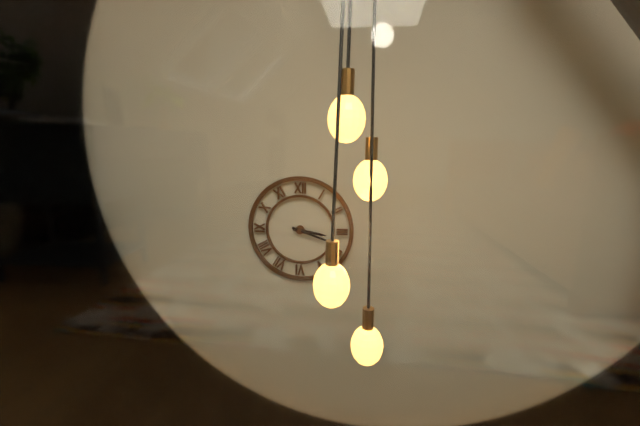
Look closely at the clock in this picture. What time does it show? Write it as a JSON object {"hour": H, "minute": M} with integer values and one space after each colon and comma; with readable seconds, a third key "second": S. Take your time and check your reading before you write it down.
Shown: {"hour": 3, "minute": 18}
